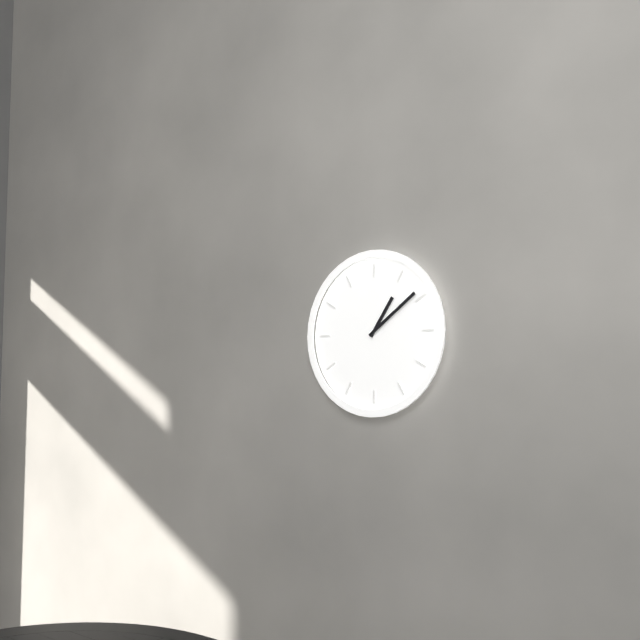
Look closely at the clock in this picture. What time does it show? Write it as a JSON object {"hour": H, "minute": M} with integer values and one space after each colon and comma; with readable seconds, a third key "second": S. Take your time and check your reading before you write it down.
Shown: {"hour": 1, "minute": 9}
